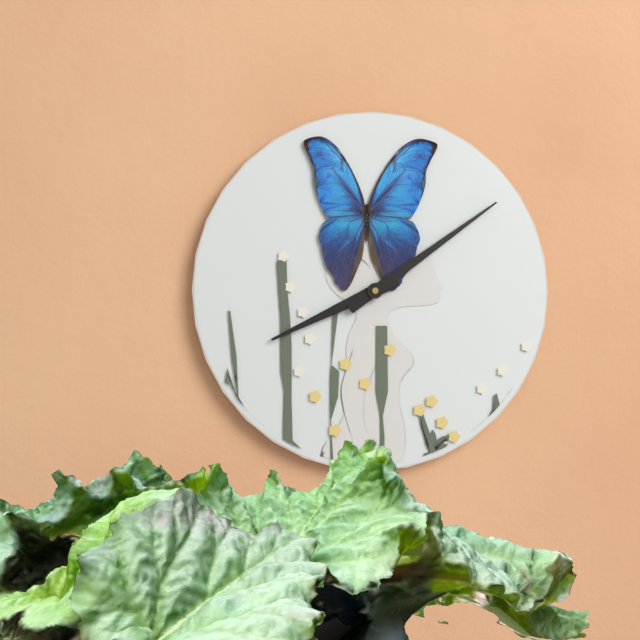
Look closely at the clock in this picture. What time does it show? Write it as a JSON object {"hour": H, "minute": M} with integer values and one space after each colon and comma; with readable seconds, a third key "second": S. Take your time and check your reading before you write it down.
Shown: {"hour": 8, "minute": 9}
